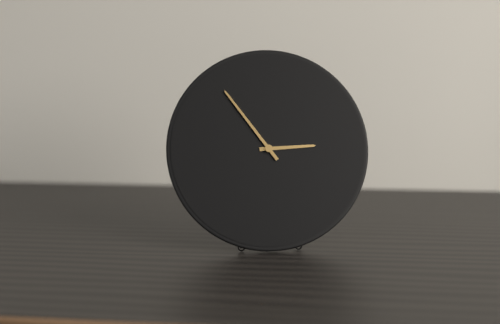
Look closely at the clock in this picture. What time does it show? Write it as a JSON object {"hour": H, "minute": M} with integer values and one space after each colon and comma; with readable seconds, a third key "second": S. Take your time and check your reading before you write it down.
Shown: {"hour": 2, "minute": 54}
